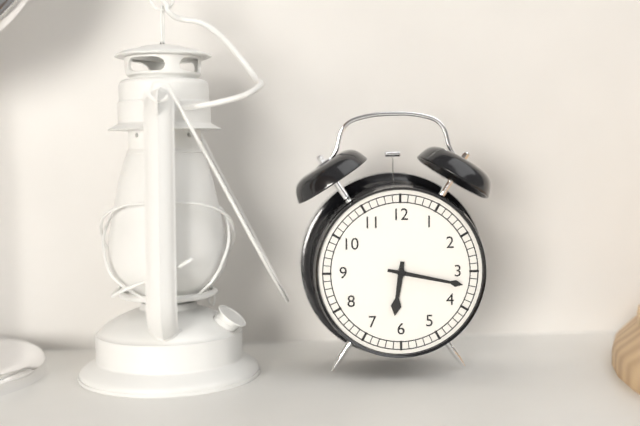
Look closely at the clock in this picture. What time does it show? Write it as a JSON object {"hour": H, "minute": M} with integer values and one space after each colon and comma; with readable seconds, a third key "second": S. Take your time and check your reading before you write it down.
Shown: {"hour": 6, "minute": 17}
